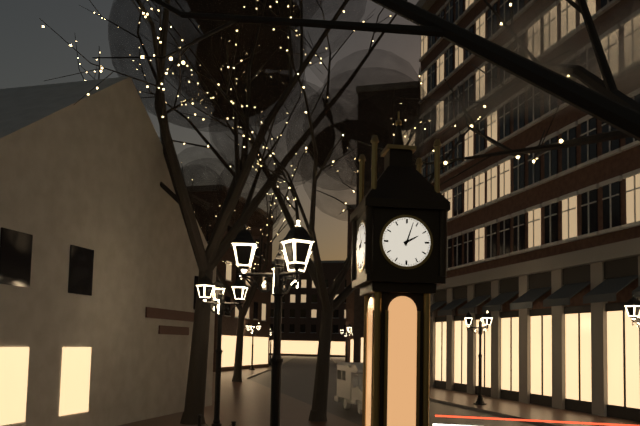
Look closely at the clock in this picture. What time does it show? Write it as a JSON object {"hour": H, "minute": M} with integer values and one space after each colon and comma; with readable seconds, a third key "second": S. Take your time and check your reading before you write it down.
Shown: {"hour": 2, "minute": 3}
